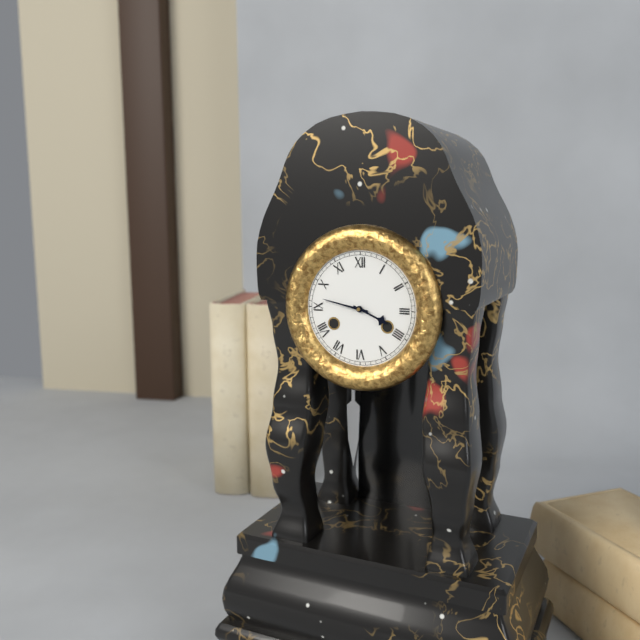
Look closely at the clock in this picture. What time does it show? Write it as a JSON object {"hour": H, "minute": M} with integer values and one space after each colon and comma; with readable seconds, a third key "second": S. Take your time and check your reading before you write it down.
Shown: {"hour": 3, "minute": 47}
